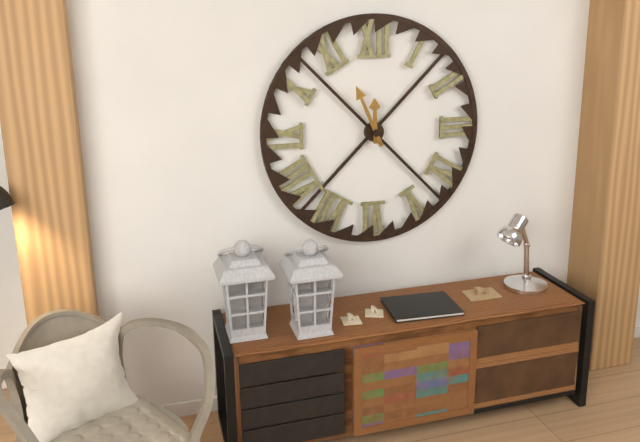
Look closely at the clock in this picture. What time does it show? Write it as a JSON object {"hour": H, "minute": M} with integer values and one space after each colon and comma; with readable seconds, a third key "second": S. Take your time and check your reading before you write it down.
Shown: {"hour": 11, "minute": 56}
